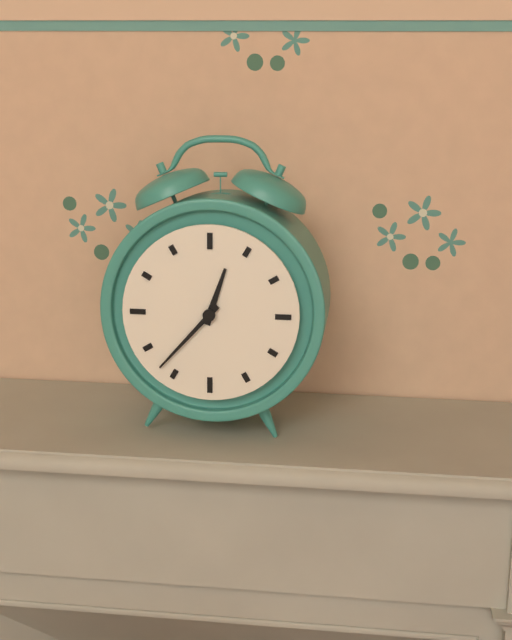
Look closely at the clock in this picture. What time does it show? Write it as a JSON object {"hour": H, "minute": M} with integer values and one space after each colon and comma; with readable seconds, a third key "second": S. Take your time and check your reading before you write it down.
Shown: {"hour": 12, "minute": 37}
